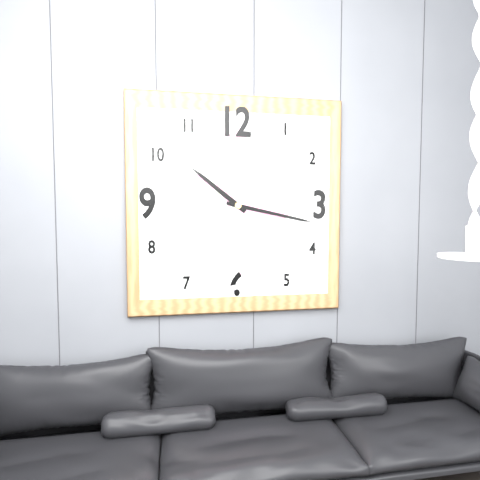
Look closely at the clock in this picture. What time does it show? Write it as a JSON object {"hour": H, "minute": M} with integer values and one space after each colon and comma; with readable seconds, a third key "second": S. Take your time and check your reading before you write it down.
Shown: {"hour": 10, "minute": 17}
